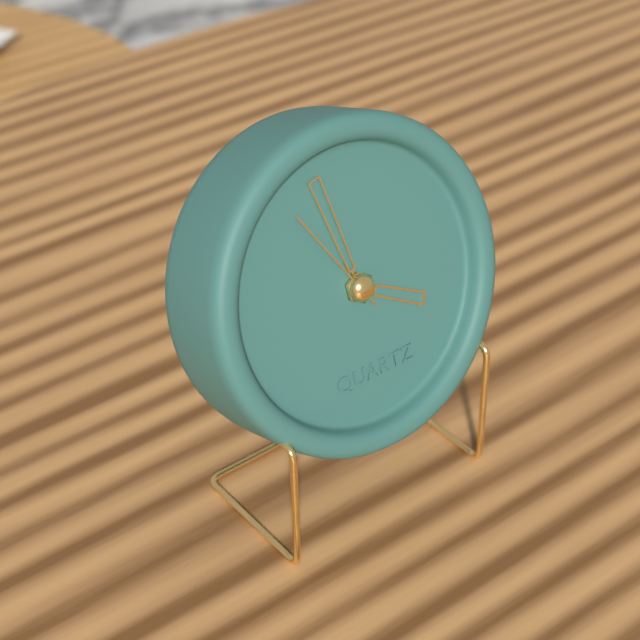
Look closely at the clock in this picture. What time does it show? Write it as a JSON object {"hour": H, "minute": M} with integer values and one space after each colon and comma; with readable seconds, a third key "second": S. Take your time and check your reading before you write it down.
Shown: {"hour": 3, "minute": 58, "second": 55}
